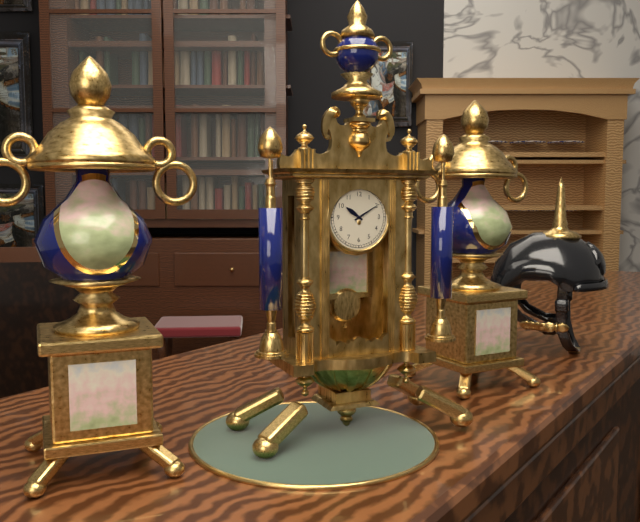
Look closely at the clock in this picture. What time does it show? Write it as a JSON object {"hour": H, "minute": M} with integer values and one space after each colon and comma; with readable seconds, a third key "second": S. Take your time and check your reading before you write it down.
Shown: {"hour": 10, "minute": 10}
